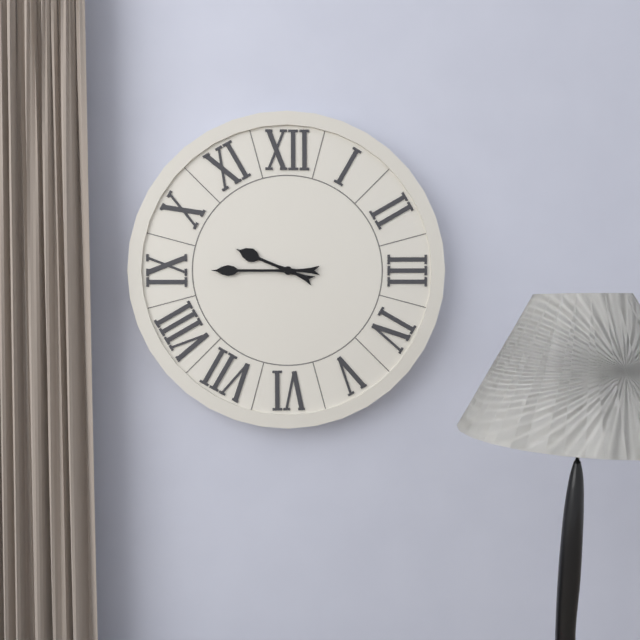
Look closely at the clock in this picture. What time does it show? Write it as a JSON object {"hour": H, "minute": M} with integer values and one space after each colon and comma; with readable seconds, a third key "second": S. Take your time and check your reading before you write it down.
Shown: {"hour": 9, "minute": 45}
